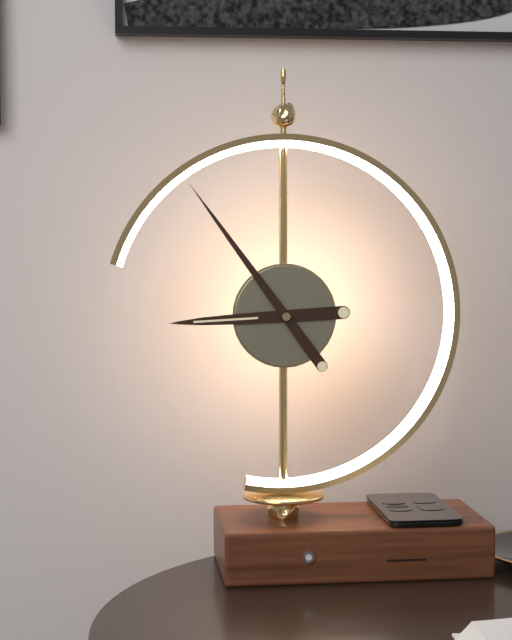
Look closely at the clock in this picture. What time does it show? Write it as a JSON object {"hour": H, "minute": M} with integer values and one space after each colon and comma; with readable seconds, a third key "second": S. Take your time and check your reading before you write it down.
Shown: {"hour": 8, "minute": 54}
